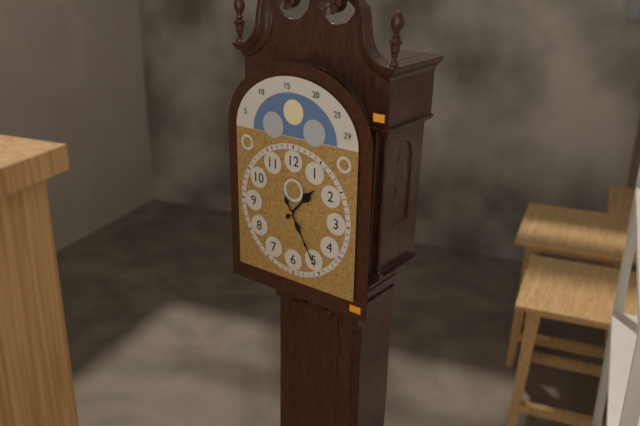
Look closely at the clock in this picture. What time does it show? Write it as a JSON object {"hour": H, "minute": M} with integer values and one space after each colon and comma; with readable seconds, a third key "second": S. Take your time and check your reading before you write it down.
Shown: {"hour": 1, "minute": 25}
